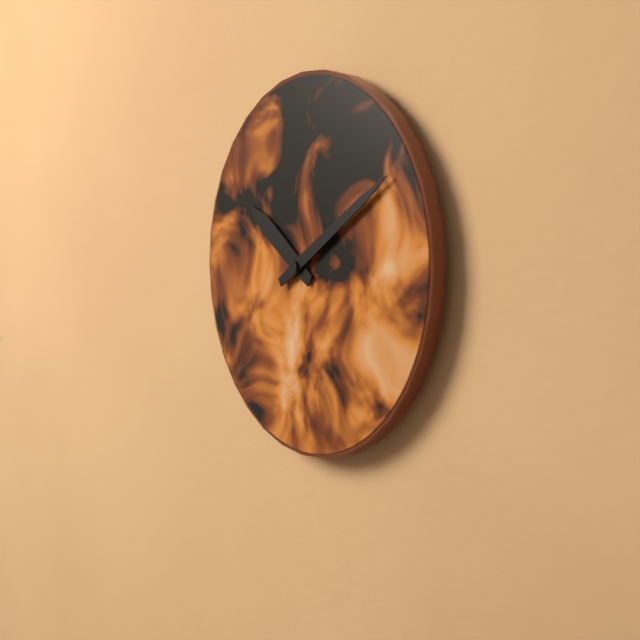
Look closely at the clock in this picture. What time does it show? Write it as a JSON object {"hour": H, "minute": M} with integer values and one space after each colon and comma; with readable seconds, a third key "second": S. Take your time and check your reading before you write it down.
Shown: {"hour": 10, "minute": 10}
